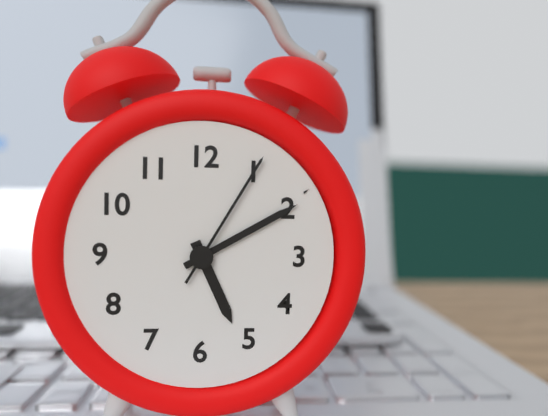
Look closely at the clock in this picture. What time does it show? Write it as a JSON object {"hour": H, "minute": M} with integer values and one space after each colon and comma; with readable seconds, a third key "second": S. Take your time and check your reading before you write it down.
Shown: {"hour": 5, "minute": 10, "second": 5}
